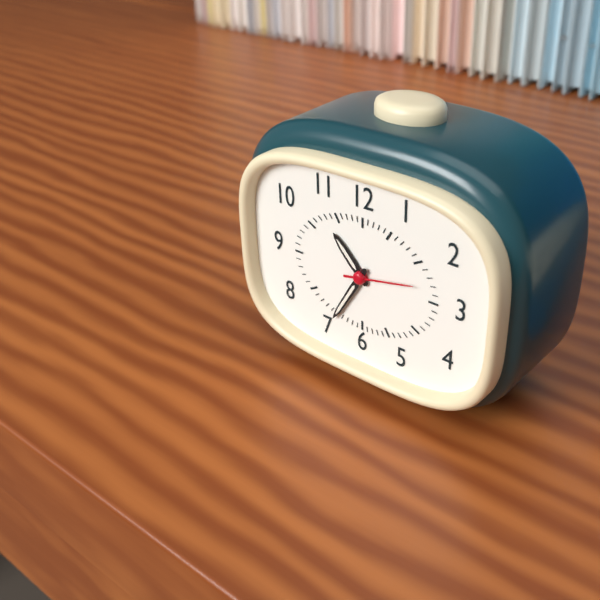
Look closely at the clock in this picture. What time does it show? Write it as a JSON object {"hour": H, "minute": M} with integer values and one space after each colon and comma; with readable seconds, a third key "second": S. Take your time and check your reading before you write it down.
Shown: {"hour": 10, "minute": 35, "second": 13}
